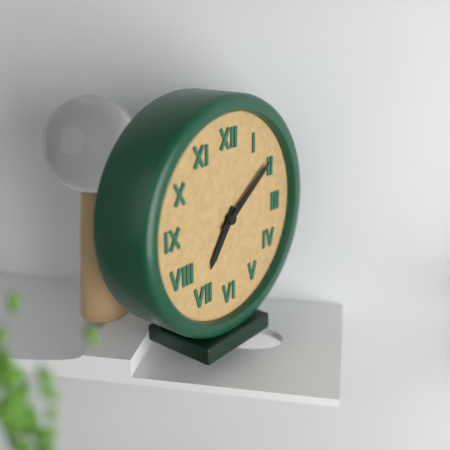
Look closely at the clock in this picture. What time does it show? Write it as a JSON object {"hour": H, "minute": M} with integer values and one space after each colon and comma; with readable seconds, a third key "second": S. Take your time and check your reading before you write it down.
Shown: {"hour": 7, "minute": 9}
